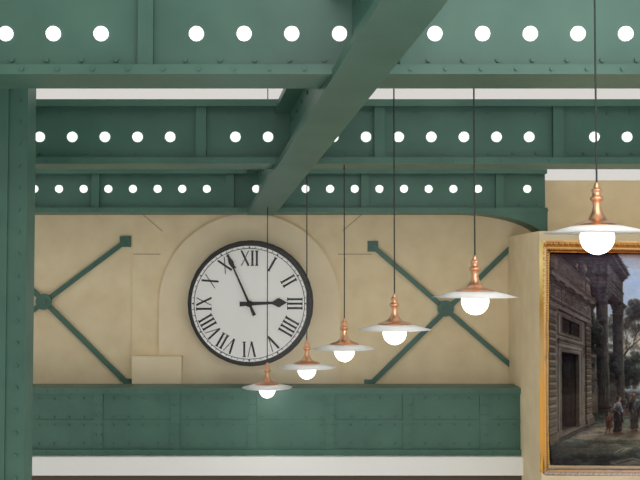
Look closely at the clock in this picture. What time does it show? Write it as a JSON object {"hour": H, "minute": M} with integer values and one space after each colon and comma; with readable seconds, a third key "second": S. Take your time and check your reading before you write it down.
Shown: {"hour": 2, "minute": 56}
